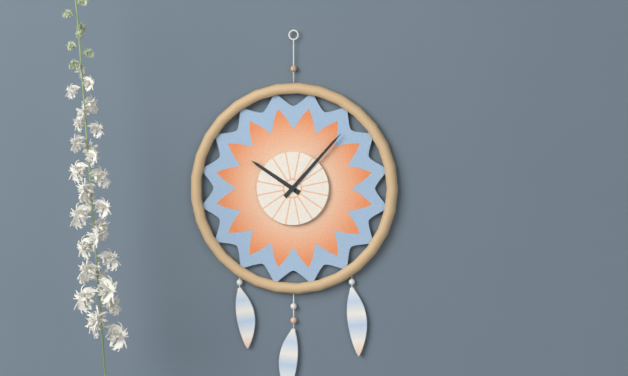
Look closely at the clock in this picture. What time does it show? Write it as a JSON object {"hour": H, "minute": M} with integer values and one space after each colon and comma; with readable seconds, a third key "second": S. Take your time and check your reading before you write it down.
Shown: {"hour": 10, "minute": 7}
